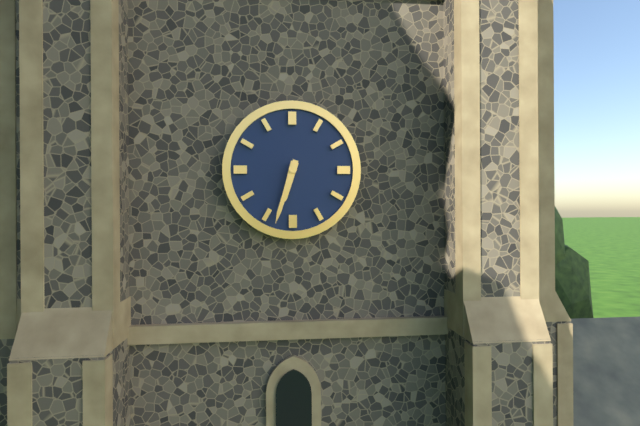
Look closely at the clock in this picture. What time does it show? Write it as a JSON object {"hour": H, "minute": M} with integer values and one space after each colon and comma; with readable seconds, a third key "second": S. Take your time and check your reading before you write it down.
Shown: {"hour": 6, "minute": 33}
